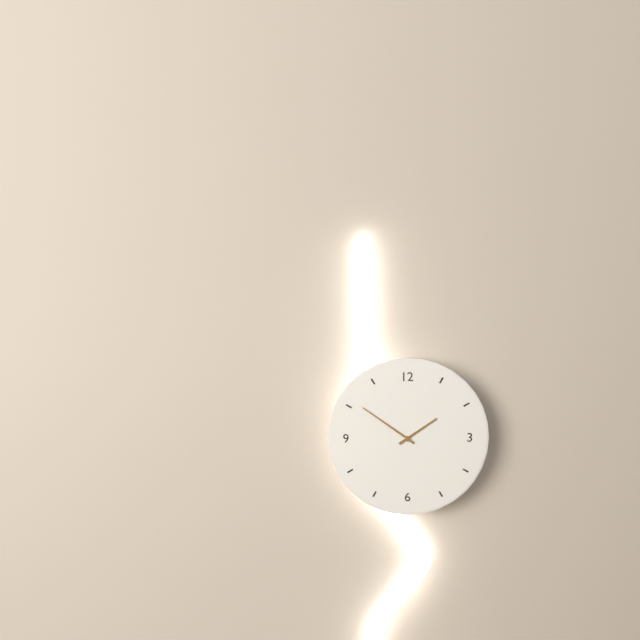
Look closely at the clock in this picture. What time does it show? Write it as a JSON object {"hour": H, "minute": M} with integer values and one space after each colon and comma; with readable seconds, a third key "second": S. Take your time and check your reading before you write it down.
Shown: {"hour": 1, "minute": 51}
